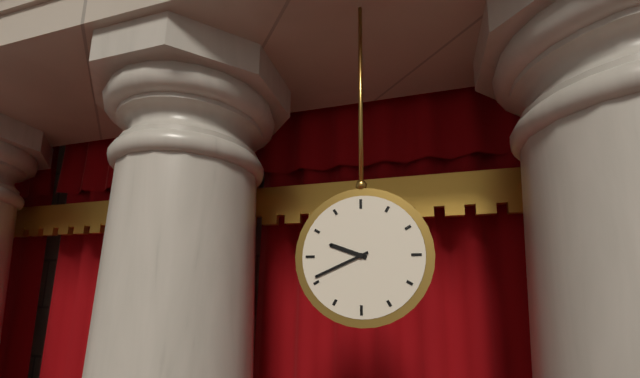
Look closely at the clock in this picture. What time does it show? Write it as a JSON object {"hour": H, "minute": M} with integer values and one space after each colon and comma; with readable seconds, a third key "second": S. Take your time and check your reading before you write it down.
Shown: {"hour": 9, "minute": 41}
